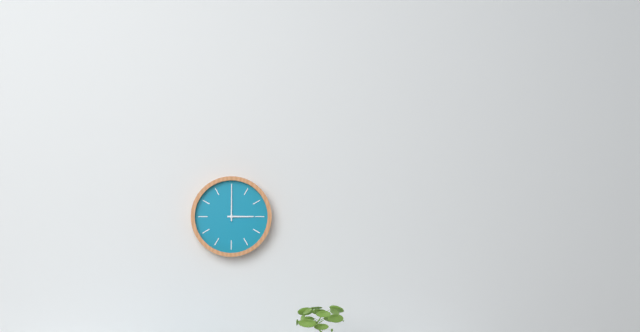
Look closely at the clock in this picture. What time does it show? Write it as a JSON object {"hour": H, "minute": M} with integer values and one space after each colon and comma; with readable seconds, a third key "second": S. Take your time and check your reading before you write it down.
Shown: {"hour": 3, "minute": 0}
